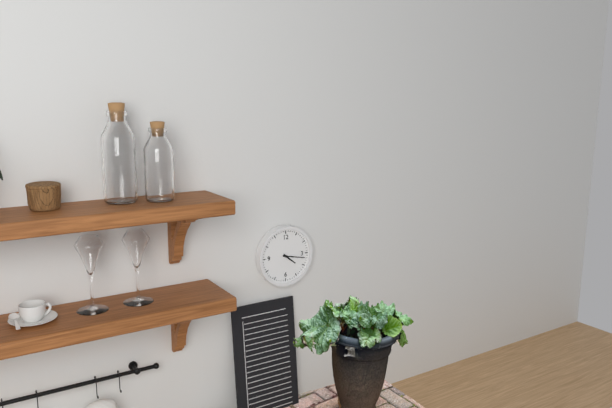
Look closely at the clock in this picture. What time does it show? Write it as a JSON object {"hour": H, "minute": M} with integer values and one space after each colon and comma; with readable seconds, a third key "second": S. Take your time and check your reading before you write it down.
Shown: {"hour": 4, "minute": 17}
